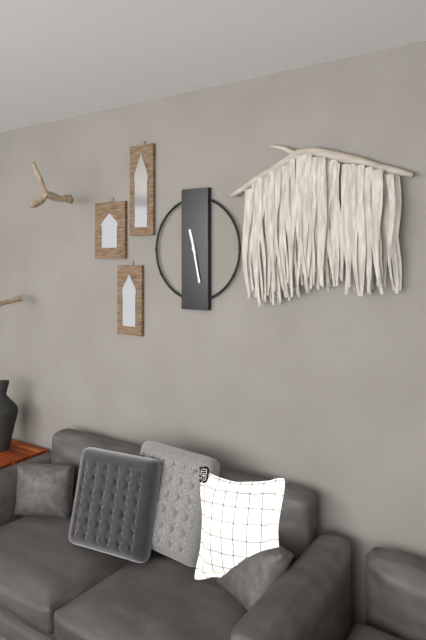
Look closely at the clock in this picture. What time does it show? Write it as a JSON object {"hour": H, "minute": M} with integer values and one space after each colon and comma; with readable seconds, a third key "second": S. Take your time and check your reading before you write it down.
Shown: {"hour": 11, "minute": 28}
